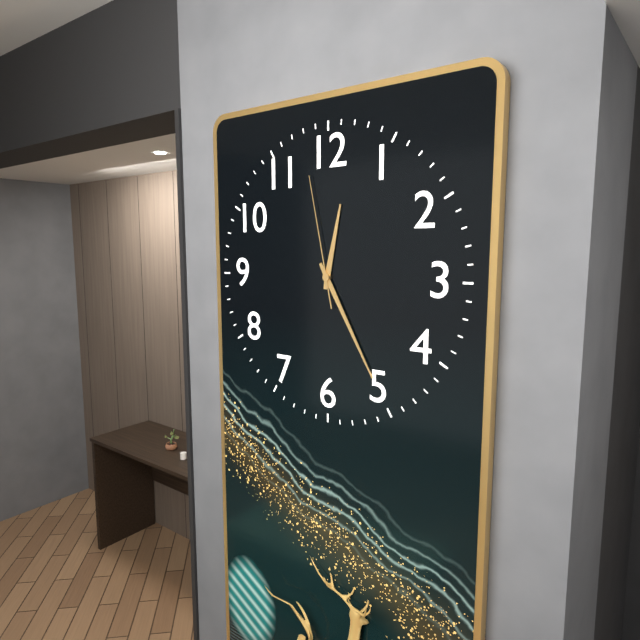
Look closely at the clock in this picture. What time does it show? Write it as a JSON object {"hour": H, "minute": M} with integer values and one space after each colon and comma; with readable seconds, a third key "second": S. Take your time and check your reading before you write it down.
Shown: {"hour": 12, "minute": 25, "second": 58}
